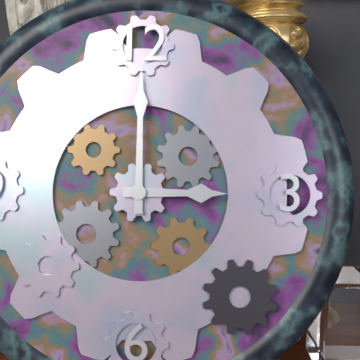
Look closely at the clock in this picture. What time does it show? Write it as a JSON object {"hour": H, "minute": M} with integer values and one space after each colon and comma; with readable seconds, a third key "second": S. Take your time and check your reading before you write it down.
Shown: {"hour": 3, "minute": 0}
